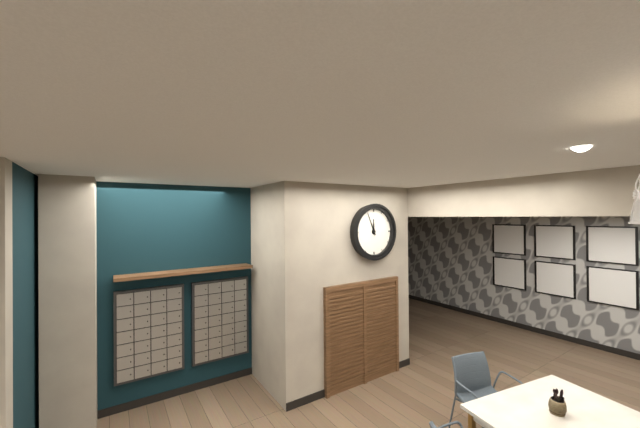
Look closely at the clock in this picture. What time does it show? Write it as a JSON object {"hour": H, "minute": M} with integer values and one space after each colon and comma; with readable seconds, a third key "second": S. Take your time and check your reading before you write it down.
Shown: {"hour": 11, "minute": 56}
